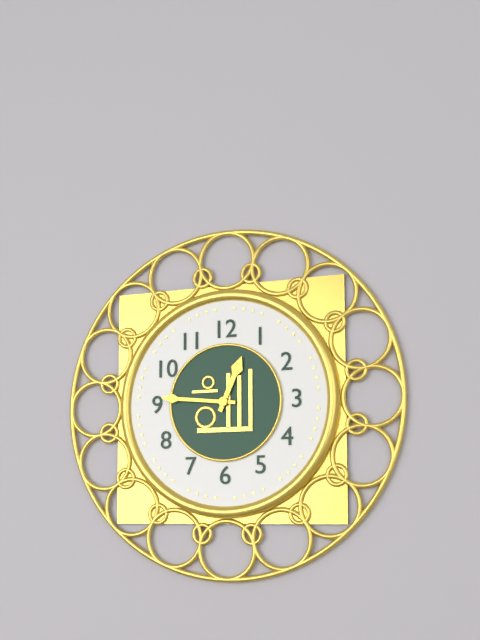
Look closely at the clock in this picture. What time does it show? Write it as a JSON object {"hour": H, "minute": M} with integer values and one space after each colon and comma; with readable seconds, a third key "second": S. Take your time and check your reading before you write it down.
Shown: {"hour": 12, "minute": 46}
